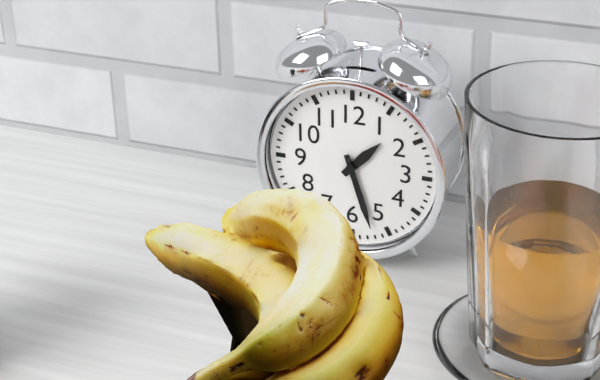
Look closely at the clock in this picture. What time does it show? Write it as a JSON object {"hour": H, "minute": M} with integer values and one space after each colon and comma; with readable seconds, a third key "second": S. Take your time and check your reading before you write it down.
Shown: {"hour": 1, "minute": 27}
